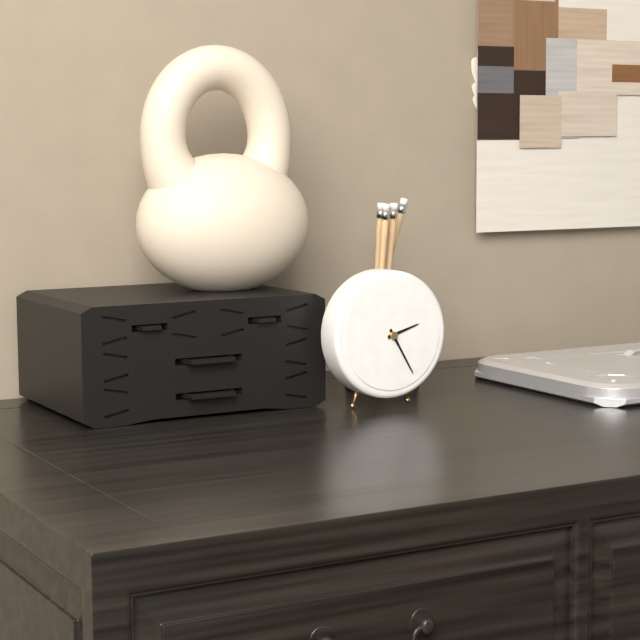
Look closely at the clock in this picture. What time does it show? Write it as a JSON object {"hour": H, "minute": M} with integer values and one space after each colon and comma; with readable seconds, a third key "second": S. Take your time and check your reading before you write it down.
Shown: {"hour": 2, "minute": 25}
